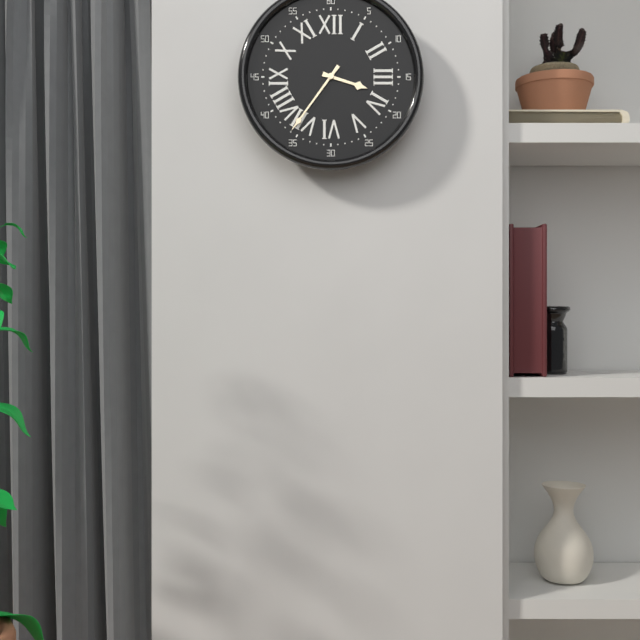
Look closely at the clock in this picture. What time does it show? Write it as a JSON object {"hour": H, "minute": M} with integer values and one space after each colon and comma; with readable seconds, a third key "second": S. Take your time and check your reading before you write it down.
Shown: {"hour": 3, "minute": 36}
